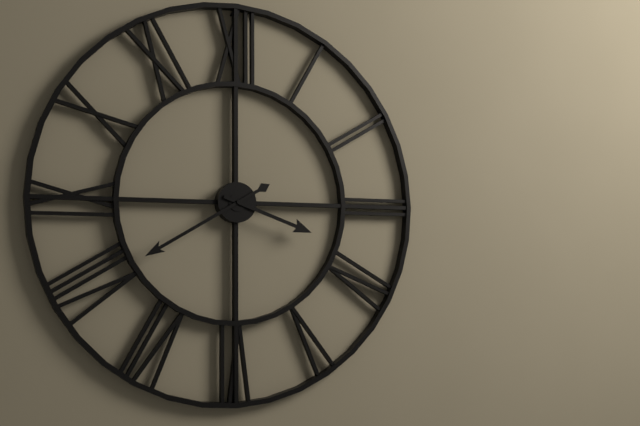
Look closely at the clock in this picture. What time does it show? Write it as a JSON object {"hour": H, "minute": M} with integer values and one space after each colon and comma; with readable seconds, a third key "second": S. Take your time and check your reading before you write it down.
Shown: {"hour": 3, "minute": 40}
